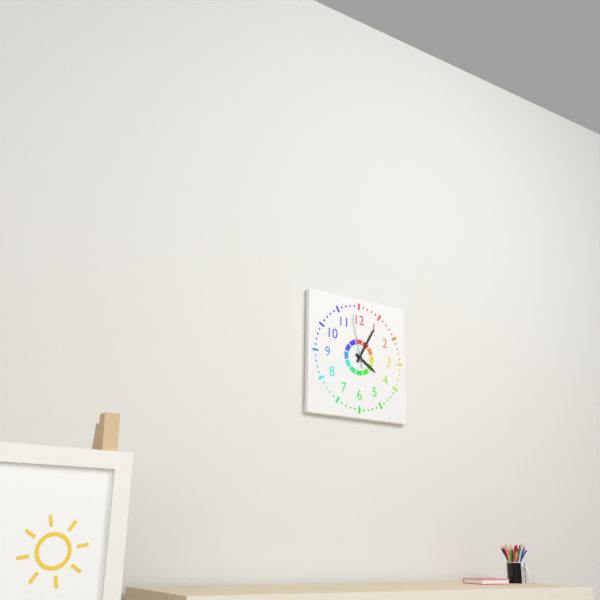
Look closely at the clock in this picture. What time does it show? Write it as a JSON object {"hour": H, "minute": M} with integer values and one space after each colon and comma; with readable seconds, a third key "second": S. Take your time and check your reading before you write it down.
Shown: {"hour": 4, "minute": 5, "second": 58}
